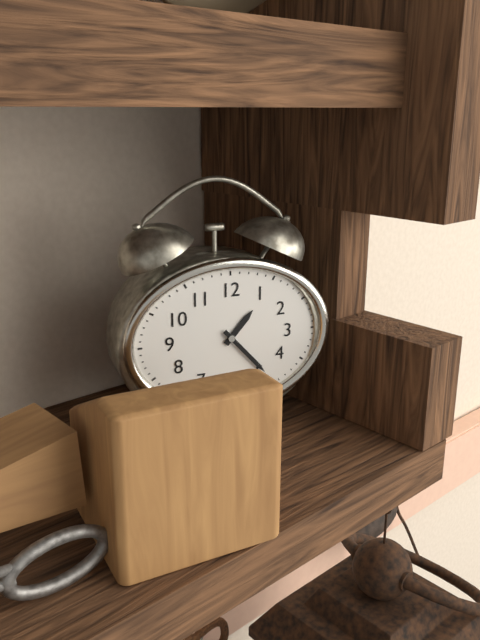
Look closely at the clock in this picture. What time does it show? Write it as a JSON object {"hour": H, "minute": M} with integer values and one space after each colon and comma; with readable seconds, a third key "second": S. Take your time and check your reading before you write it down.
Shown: {"hour": 1, "minute": 23}
